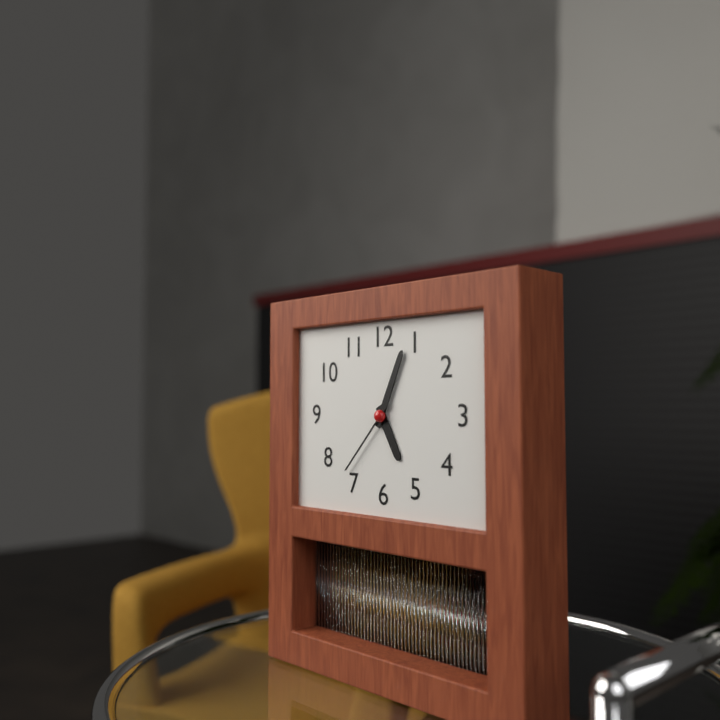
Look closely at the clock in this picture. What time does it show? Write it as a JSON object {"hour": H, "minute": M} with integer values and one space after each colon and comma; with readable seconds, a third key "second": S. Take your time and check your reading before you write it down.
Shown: {"hour": 5, "minute": 4, "second": 37}
